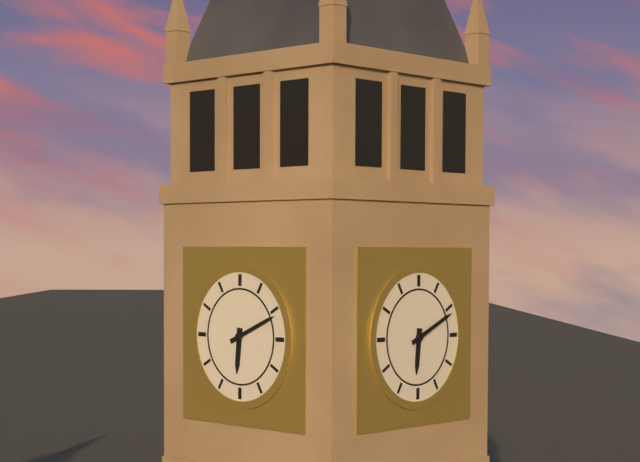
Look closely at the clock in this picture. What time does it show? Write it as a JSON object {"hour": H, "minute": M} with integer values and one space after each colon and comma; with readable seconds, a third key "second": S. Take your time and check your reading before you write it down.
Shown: {"hour": 6, "minute": 11}
